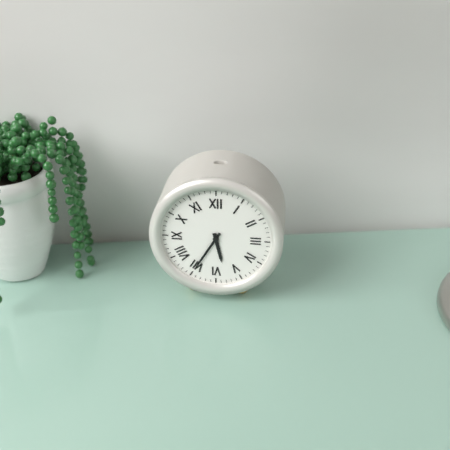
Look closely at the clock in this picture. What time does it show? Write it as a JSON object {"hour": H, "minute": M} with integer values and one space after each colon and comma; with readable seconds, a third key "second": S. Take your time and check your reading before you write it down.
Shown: {"hour": 5, "minute": 35}
